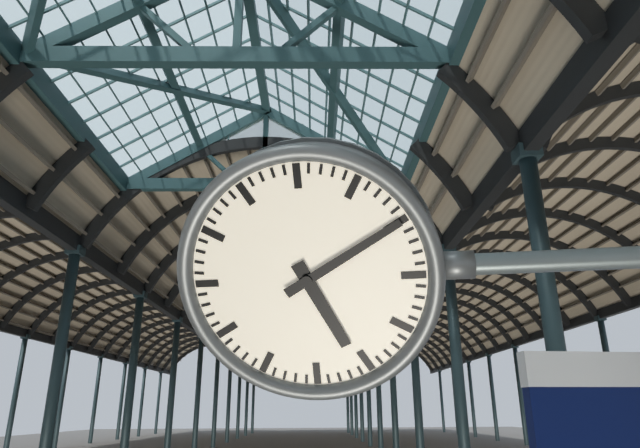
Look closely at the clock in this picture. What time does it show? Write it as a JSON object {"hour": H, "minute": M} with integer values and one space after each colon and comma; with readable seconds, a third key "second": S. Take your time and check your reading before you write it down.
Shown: {"hour": 5, "minute": 10}
